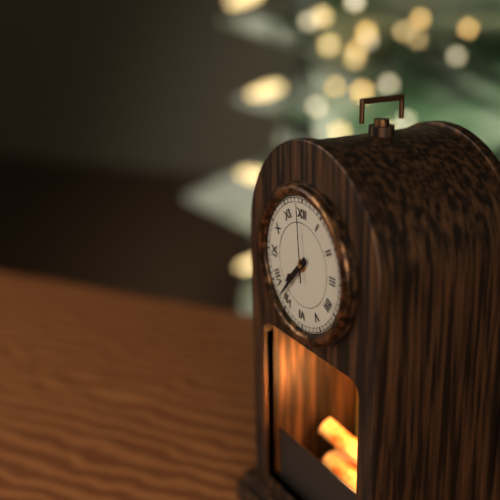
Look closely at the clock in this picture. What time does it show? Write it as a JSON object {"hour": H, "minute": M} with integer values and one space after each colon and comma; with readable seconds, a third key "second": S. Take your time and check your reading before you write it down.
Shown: {"hour": 7, "minute": 37, "second": 59}
